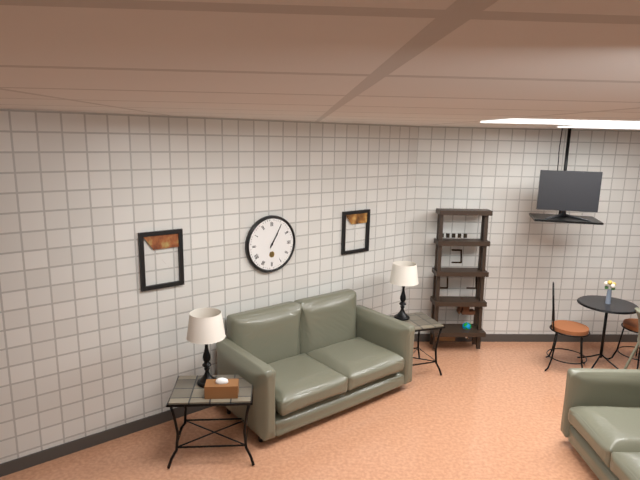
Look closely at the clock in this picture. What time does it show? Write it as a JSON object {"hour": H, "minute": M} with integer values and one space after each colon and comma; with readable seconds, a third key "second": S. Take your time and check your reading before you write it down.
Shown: {"hour": 1, "minute": 5}
